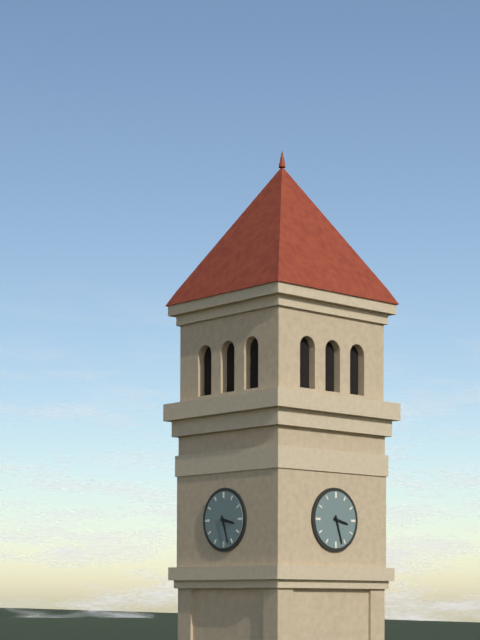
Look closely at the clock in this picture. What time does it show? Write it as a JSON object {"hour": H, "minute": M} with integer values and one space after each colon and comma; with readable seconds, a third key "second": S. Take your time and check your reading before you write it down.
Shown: {"hour": 3, "minute": 27}
